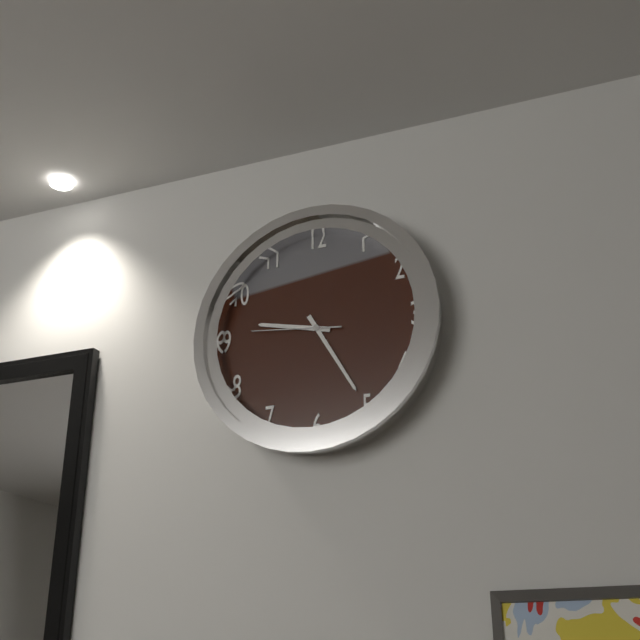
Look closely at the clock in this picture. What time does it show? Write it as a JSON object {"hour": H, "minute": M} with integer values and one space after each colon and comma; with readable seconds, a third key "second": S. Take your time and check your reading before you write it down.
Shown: {"hour": 9, "minute": 25, "second": 46}
